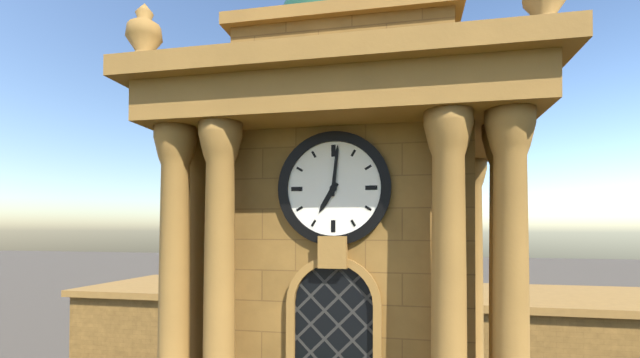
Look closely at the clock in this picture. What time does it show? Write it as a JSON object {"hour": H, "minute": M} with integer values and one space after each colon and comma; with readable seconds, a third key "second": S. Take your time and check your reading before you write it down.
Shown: {"hour": 7, "minute": 1}
